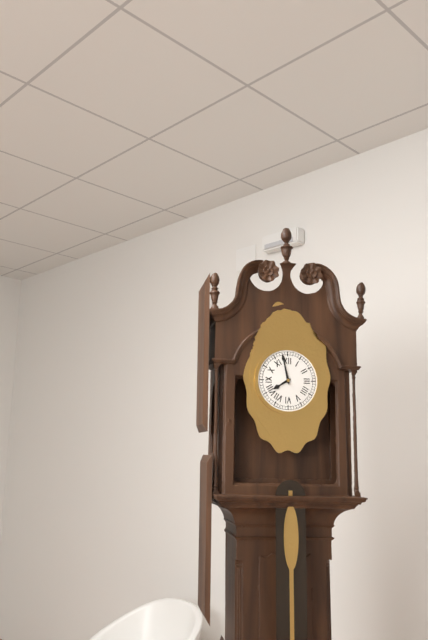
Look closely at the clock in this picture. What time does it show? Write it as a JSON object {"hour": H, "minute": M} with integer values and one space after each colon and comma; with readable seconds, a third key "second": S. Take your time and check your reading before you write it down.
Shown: {"hour": 7, "minute": 58}
